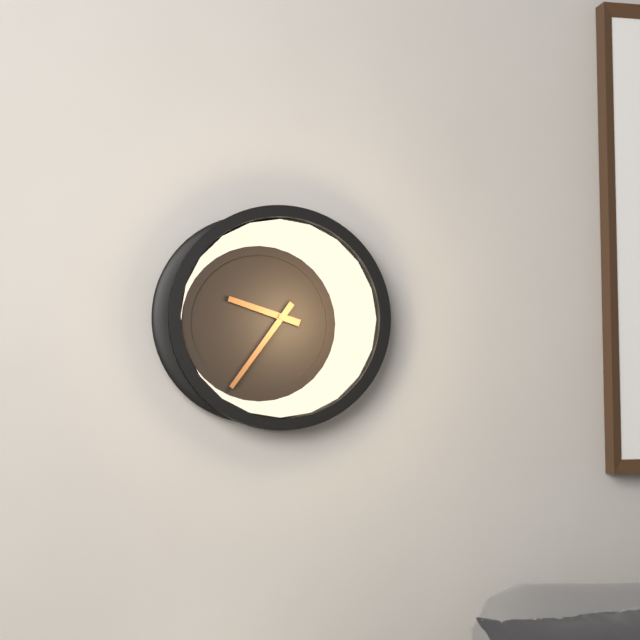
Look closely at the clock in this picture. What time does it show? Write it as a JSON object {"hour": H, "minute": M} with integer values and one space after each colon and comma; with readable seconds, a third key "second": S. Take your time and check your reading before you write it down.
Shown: {"hour": 9, "minute": 36}
